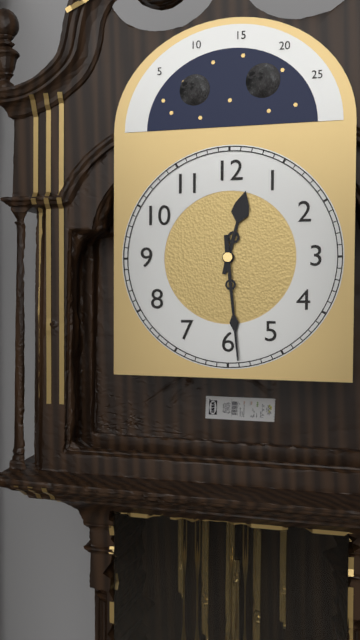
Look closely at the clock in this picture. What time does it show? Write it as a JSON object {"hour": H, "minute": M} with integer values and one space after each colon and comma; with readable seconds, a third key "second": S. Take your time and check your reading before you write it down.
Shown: {"hour": 12, "minute": 29}
